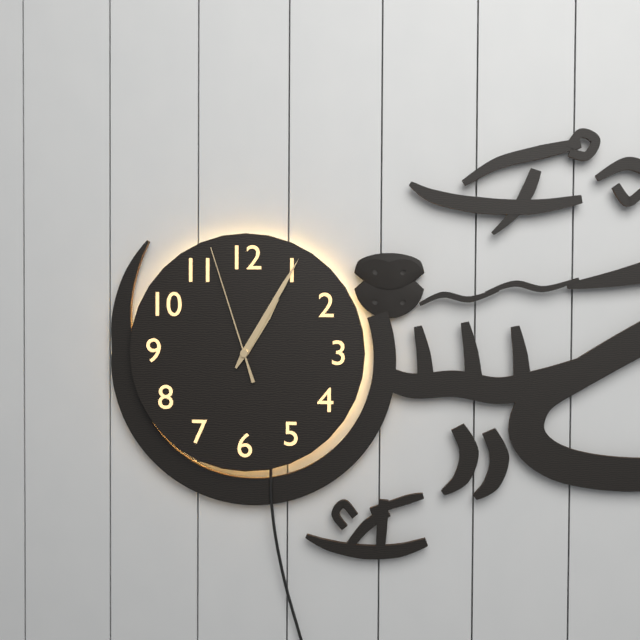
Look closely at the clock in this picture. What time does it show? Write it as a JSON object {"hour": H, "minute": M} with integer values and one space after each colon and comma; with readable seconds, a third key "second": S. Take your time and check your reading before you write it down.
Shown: {"hour": 1, "minute": 5, "second": 57}
